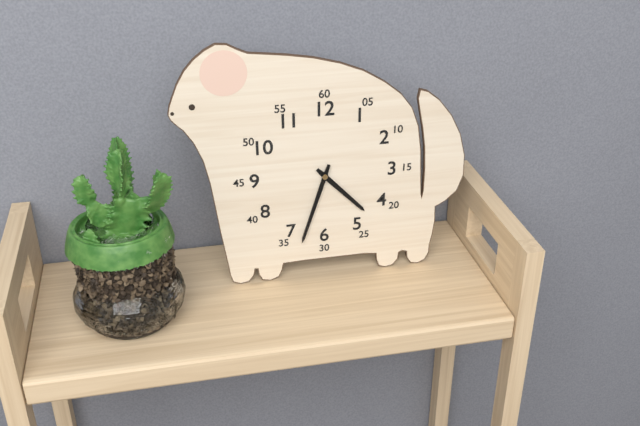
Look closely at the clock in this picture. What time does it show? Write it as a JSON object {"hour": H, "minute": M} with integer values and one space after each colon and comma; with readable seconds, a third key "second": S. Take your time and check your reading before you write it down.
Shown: {"hour": 4, "minute": 33}
